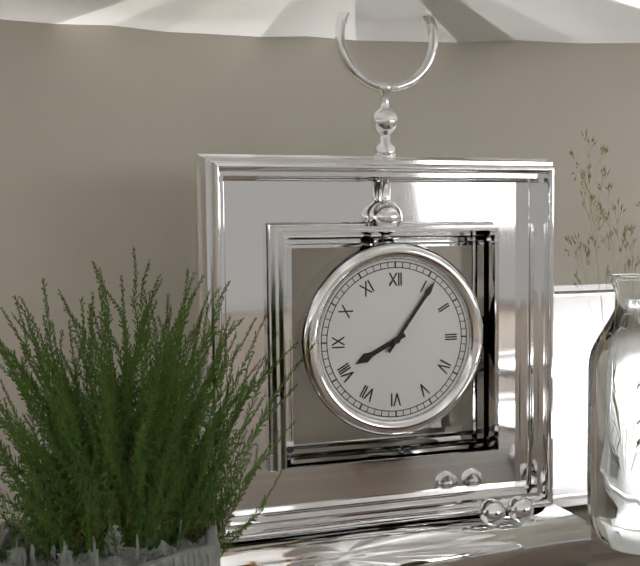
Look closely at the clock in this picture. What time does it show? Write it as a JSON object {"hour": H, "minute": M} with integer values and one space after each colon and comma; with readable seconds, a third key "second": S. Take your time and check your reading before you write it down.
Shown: {"hour": 8, "minute": 6}
